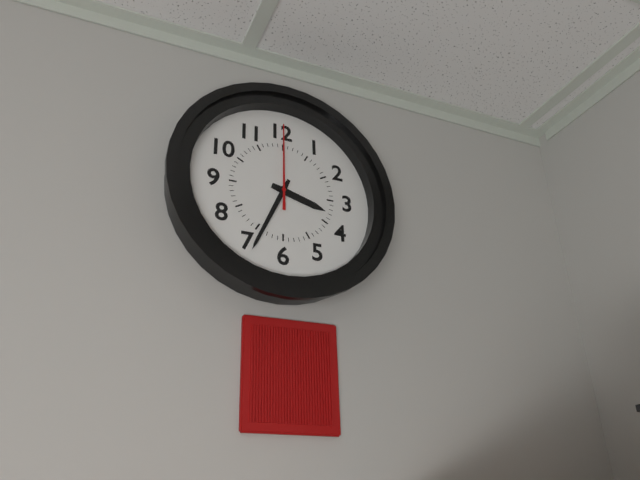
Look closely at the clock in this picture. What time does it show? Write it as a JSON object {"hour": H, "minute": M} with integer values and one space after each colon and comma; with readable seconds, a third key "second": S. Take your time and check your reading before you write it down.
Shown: {"hour": 3, "minute": 34, "second": 0}
